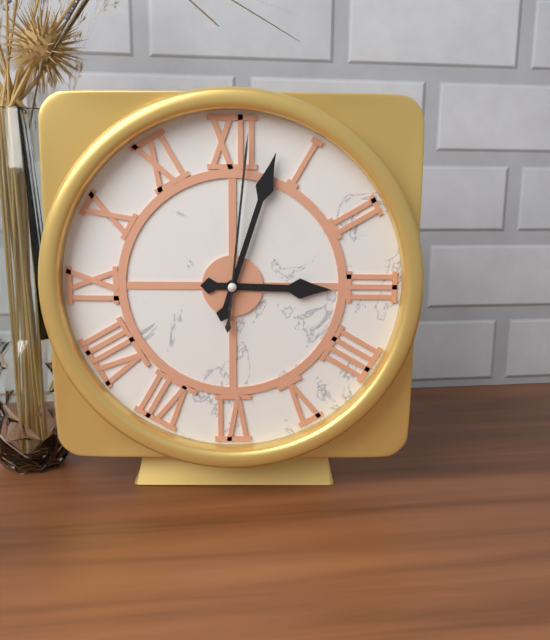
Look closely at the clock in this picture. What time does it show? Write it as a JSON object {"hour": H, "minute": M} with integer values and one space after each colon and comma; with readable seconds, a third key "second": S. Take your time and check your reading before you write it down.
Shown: {"hour": 3, "minute": 3, "second": 1}
